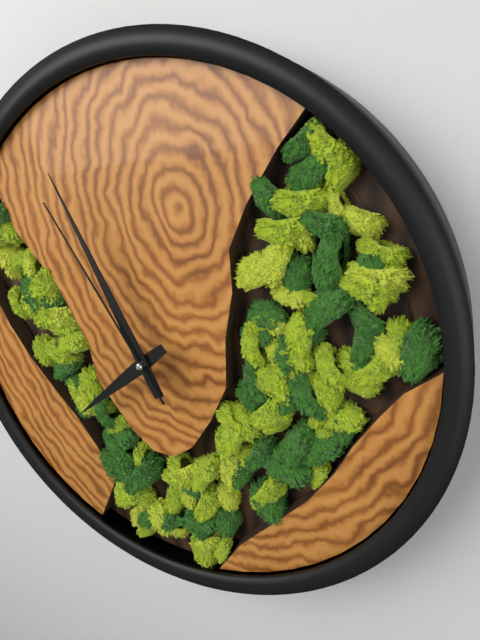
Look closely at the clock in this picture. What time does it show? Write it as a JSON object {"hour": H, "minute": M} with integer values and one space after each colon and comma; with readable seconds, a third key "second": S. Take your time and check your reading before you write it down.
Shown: {"hour": 7, "minute": 57, "second": 56}
